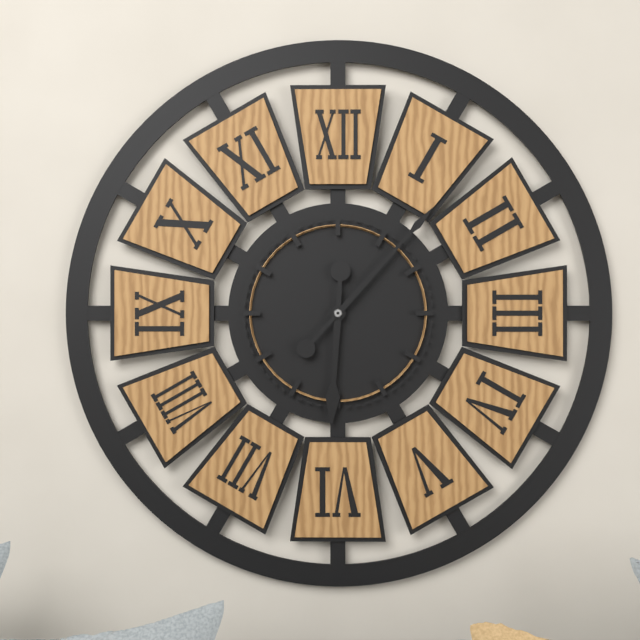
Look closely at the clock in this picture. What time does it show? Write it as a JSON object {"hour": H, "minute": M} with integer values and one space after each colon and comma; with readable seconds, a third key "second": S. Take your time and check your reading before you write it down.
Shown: {"hour": 6, "minute": 7}
